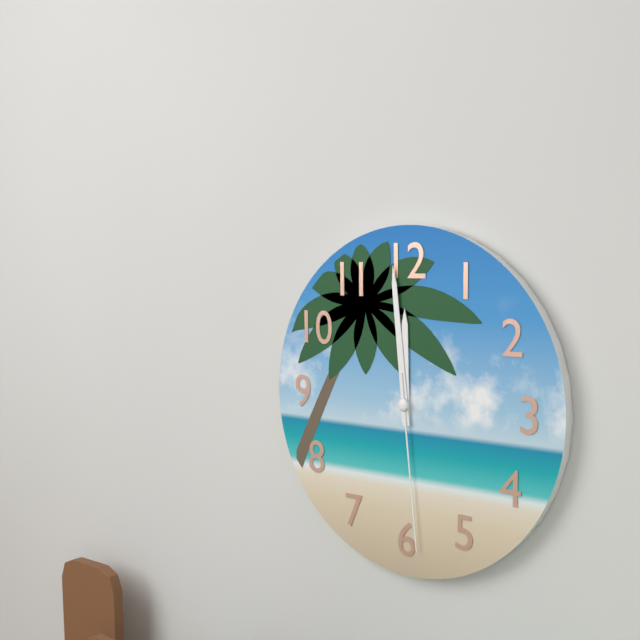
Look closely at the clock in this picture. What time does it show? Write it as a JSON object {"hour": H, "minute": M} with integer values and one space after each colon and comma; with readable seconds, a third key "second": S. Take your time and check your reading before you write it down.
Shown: {"hour": 11, "minute": 59, "second": 29}
